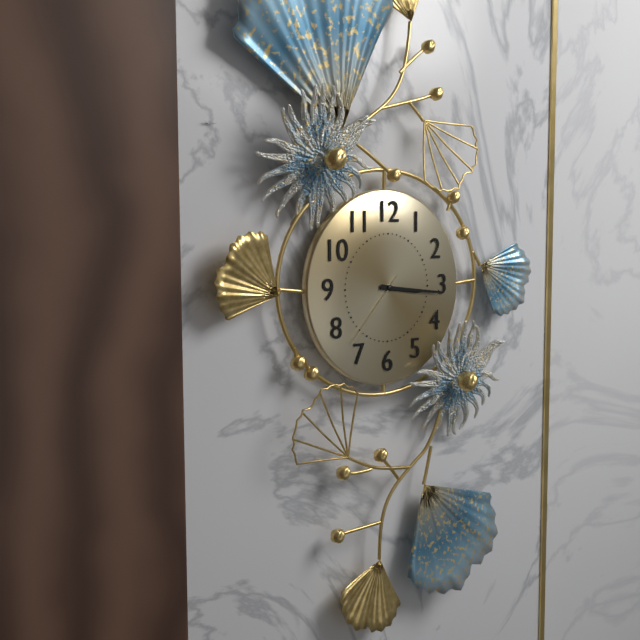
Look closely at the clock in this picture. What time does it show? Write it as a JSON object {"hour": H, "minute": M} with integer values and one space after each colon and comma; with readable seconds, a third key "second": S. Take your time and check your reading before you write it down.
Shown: {"hour": 3, "minute": 16, "second": 37}
